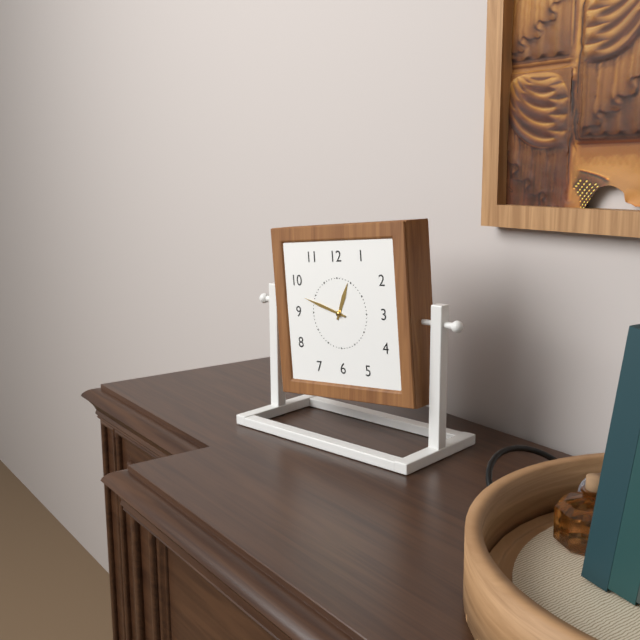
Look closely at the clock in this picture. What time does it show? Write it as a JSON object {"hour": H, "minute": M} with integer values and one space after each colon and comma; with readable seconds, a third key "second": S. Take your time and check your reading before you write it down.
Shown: {"hour": 12, "minute": 48}
